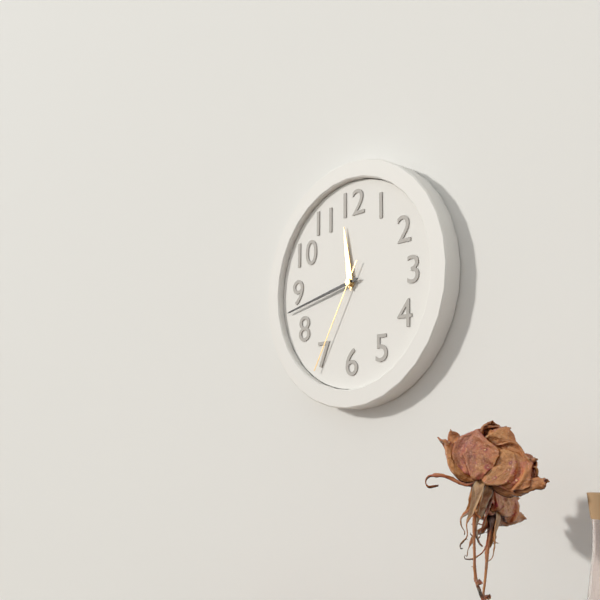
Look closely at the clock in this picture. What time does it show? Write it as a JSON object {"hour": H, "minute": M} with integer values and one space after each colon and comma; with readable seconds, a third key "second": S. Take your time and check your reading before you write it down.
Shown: {"hour": 11, "minute": 43, "second": 35}
